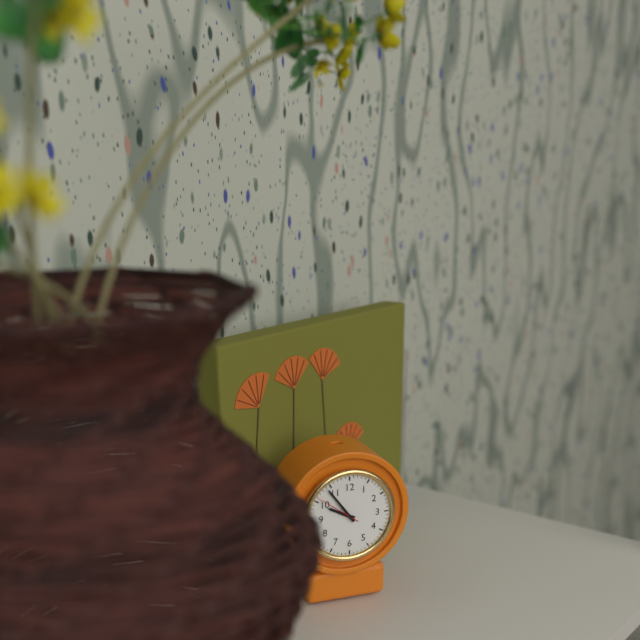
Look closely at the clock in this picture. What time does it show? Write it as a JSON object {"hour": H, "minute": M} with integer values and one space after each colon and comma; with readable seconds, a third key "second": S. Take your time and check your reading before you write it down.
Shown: {"hour": 9, "minute": 54}
